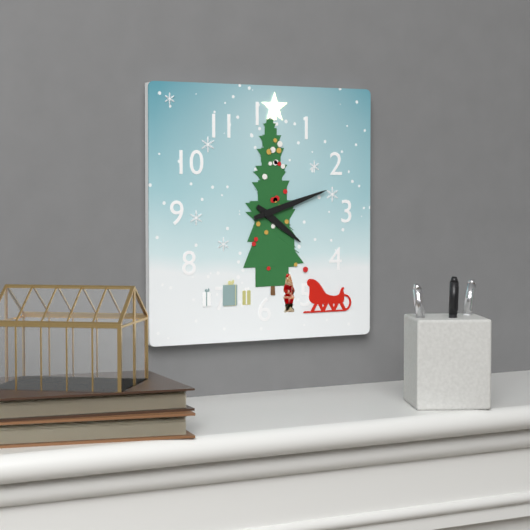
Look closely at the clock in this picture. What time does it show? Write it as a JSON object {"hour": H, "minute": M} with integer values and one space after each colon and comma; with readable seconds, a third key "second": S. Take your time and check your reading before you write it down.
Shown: {"hour": 4, "minute": 12}
